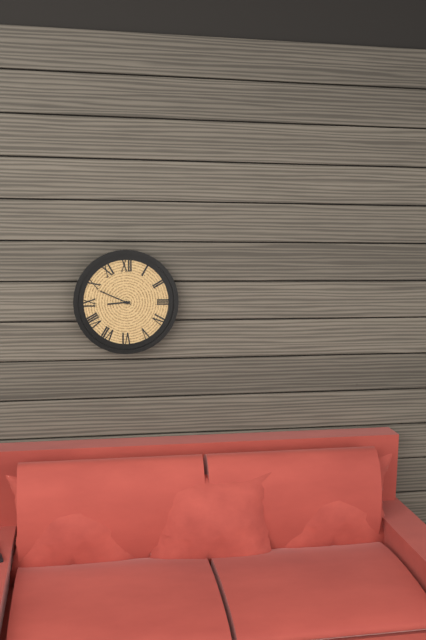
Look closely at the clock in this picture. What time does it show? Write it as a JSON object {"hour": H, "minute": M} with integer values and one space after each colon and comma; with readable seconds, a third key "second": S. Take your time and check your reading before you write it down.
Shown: {"hour": 8, "minute": 49}
